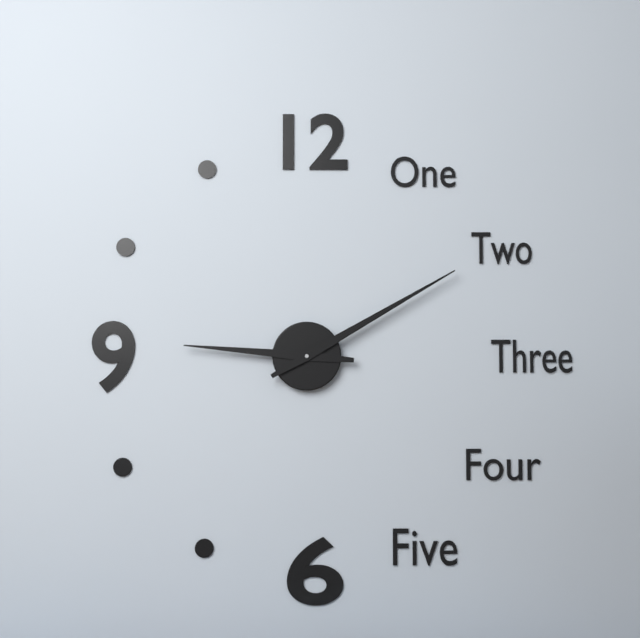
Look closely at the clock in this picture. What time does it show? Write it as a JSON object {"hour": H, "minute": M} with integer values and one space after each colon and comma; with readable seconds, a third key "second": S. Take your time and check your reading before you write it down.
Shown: {"hour": 9, "minute": 10}
